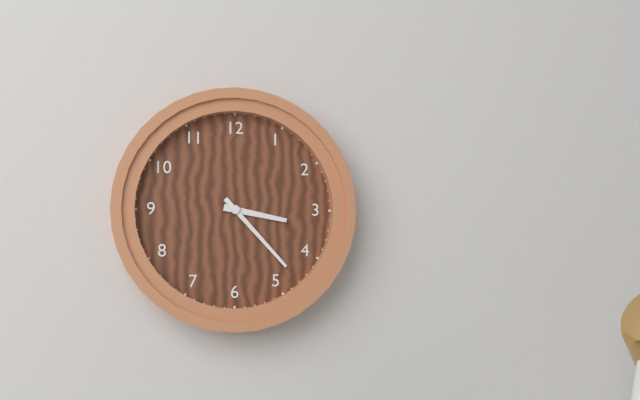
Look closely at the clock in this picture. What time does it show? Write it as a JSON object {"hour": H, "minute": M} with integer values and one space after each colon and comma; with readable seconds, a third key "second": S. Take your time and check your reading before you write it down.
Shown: {"hour": 3, "minute": 23}
